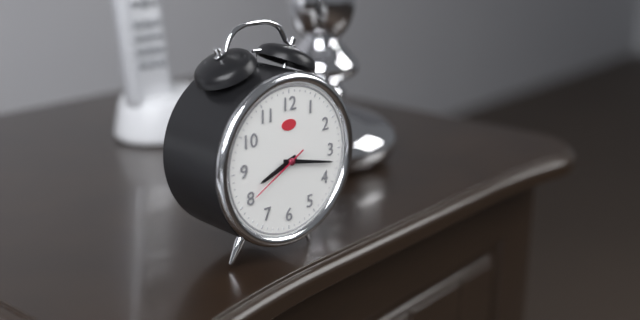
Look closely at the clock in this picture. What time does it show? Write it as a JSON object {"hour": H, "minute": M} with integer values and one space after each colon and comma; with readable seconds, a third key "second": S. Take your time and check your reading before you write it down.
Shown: {"hour": 8, "minute": 17, "second": 40}
